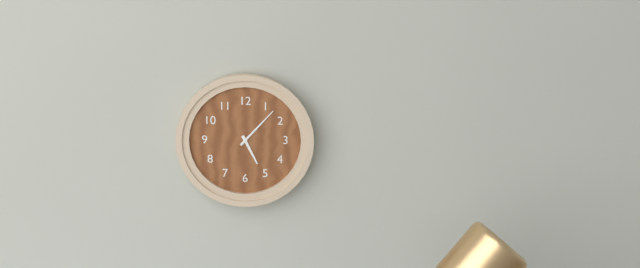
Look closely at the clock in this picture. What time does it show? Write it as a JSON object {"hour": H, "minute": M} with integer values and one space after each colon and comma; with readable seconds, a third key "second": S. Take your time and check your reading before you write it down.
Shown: {"hour": 5, "minute": 7}
